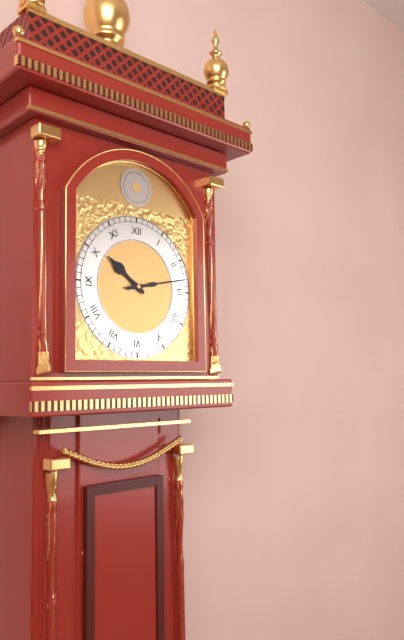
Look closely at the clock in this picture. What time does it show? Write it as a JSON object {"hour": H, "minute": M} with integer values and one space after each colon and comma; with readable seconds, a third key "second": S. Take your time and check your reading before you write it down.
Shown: {"hour": 10, "minute": 13}
